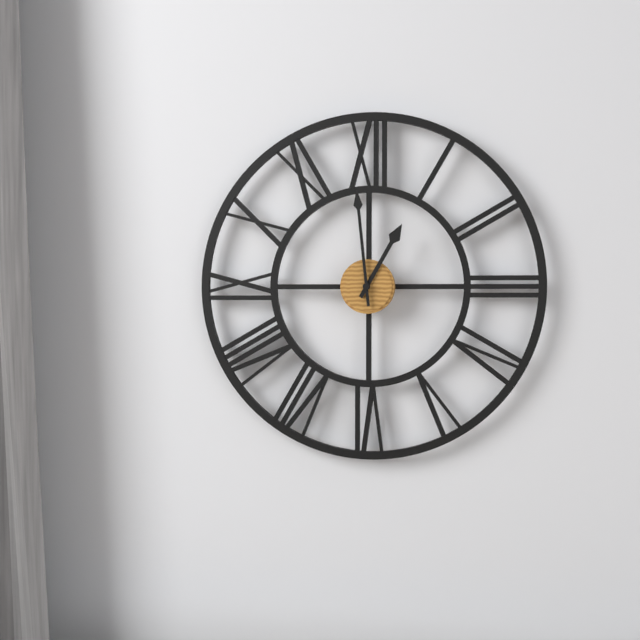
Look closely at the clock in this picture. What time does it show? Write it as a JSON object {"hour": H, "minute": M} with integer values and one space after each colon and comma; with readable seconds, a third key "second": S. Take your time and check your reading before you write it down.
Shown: {"hour": 12, "minute": 59}
